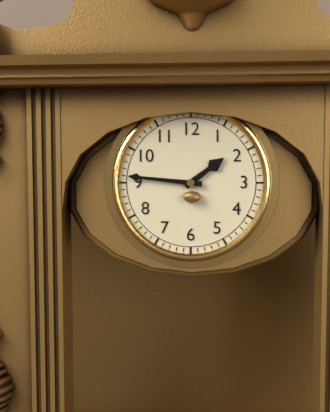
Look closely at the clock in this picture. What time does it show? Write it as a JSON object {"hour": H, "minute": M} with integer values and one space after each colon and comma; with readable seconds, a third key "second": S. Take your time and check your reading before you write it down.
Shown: {"hour": 1, "minute": 46}
